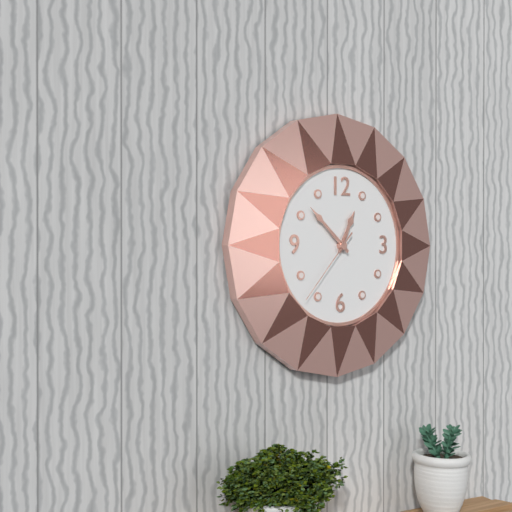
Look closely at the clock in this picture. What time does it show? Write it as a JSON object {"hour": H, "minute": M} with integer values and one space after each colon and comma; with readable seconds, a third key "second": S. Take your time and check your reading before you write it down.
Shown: {"hour": 12, "minute": 52, "second": 37}
